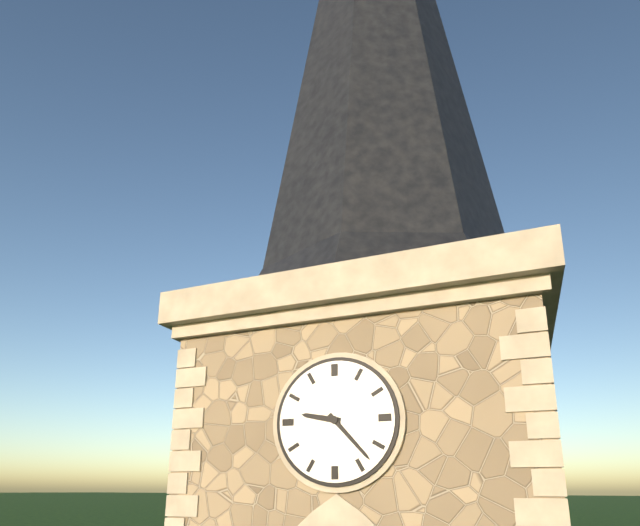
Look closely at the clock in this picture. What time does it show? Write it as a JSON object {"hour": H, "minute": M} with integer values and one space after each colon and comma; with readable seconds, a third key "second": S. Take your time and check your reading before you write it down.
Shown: {"hour": 9, "minute": 23}
